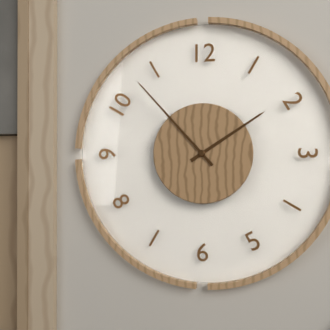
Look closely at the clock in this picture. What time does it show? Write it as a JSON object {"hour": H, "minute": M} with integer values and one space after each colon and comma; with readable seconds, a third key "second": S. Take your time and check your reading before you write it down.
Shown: {"hour": 1, "minute": 53}
